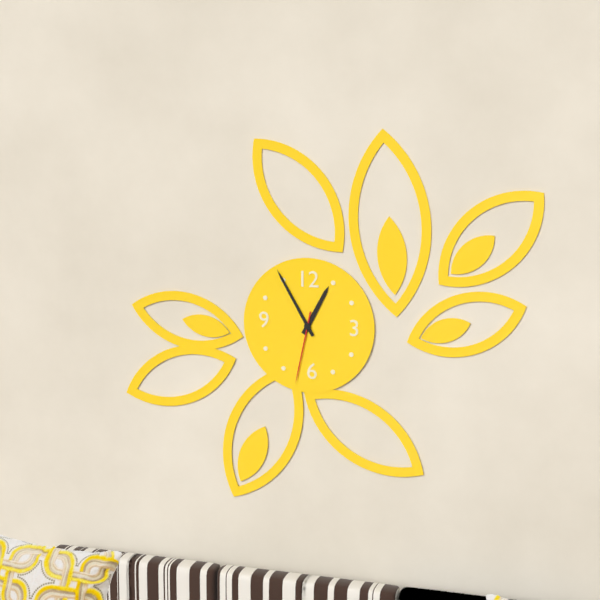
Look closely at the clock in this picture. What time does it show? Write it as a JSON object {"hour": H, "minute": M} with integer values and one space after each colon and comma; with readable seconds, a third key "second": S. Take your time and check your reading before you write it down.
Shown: {"hour": 12, "minute": 55, "second": 32}
